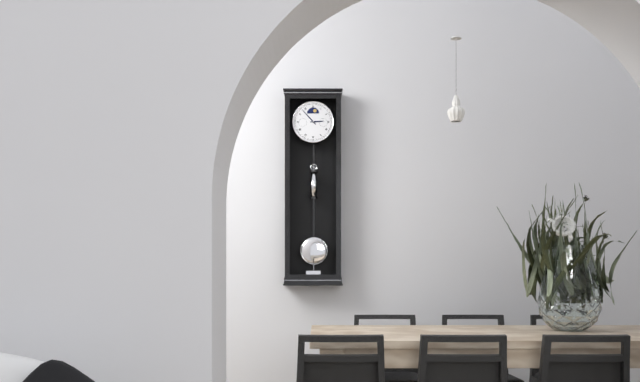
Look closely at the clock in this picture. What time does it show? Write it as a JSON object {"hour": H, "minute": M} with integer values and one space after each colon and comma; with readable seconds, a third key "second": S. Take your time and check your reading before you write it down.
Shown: {"hour": 2, "minute": 53}
